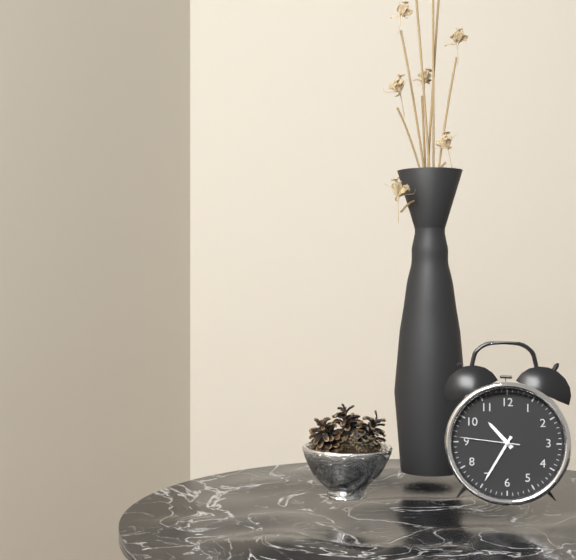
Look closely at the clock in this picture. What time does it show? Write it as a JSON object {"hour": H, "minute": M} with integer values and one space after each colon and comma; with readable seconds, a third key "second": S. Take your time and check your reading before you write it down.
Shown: {"hour": 10, "minute": 35, "second": 46}
